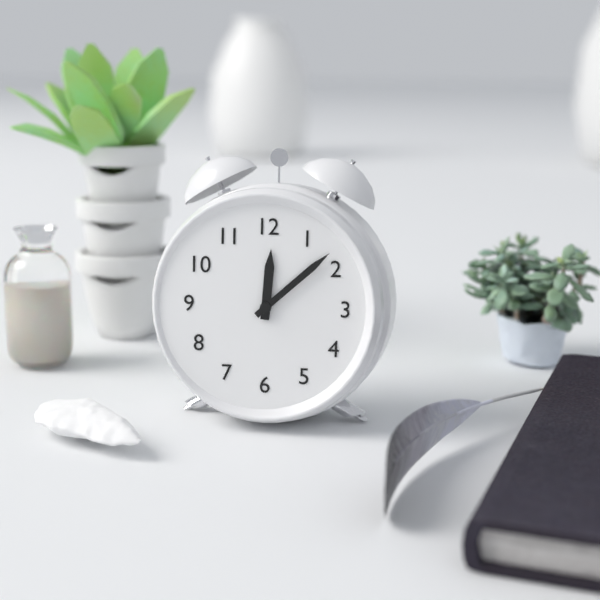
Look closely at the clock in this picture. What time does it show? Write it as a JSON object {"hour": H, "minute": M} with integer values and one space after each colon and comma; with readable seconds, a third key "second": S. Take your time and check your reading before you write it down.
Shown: {"hour": 12, "minute": 8}
